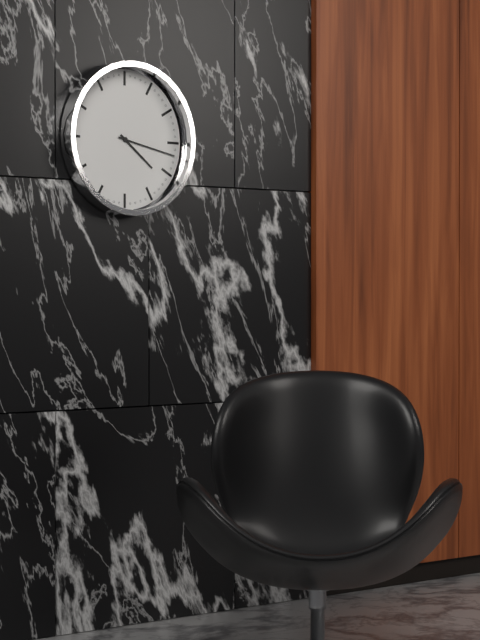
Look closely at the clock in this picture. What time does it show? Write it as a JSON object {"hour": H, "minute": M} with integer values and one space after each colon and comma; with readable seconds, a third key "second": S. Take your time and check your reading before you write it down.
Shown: {"hour": 4, "minute": 17}
